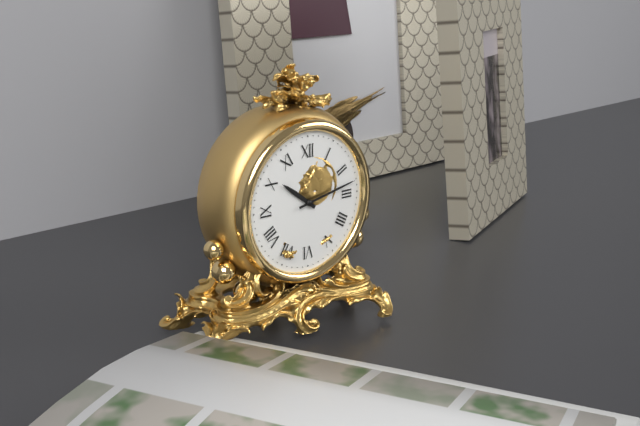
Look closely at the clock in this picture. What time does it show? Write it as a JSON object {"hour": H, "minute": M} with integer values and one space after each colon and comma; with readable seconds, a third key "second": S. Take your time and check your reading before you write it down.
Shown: {"hour": 10, "minute": 13}
